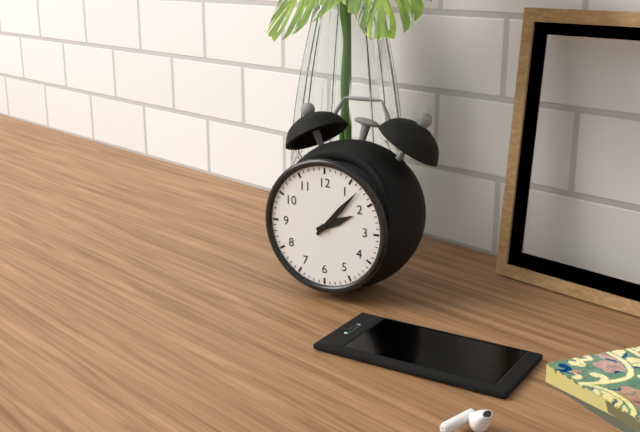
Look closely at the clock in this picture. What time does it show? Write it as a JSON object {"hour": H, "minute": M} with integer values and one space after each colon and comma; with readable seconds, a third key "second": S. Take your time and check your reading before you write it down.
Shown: {"hour": 2, "minute": 7}
